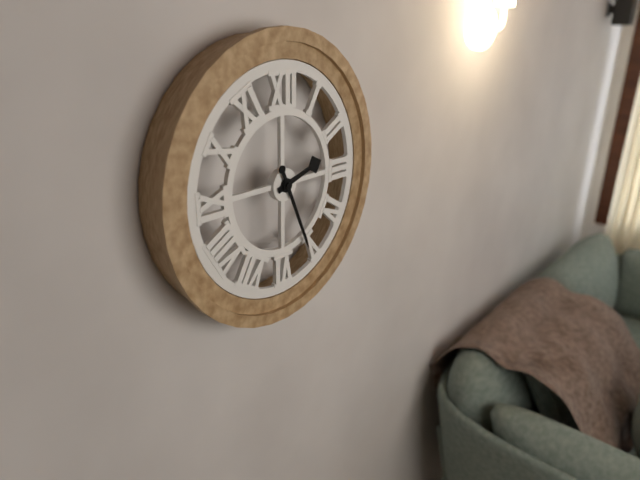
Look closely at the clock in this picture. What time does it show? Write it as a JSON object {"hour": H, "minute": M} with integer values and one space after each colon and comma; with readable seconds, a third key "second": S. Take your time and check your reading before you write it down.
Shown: {"hour": 2, "minute": 26}
